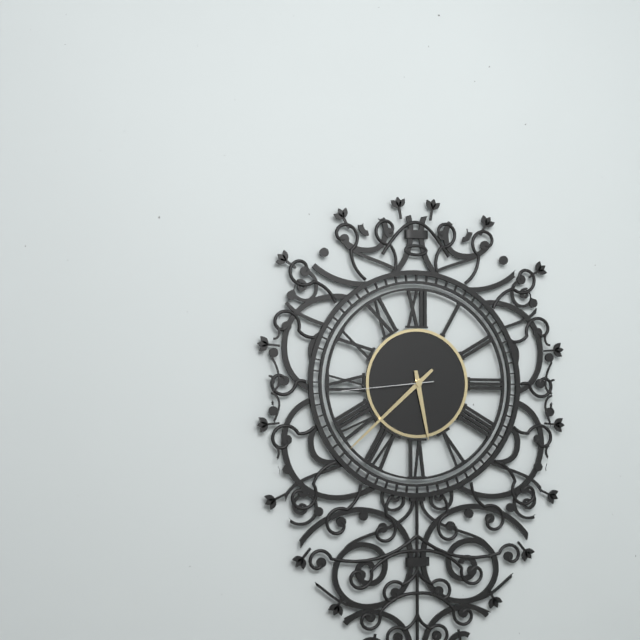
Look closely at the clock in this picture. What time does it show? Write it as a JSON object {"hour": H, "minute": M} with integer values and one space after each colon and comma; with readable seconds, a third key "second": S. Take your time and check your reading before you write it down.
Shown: {"hour": 5, "minute": 38, "second": 44}
